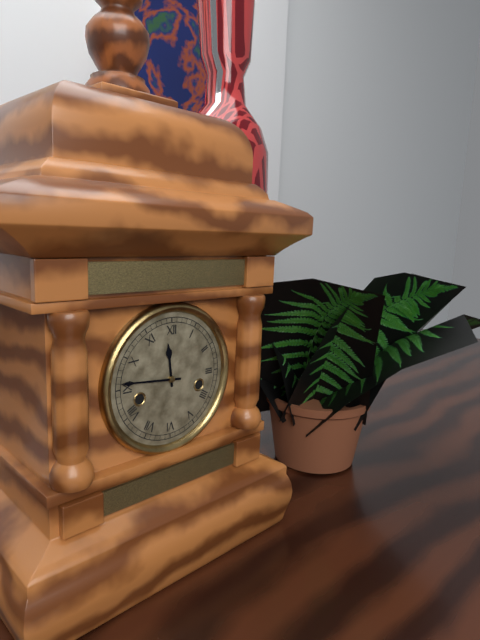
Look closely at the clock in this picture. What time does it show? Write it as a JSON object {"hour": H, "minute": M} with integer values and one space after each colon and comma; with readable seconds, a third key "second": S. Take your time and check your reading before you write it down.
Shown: {"hour": 11, "minute": 46}
